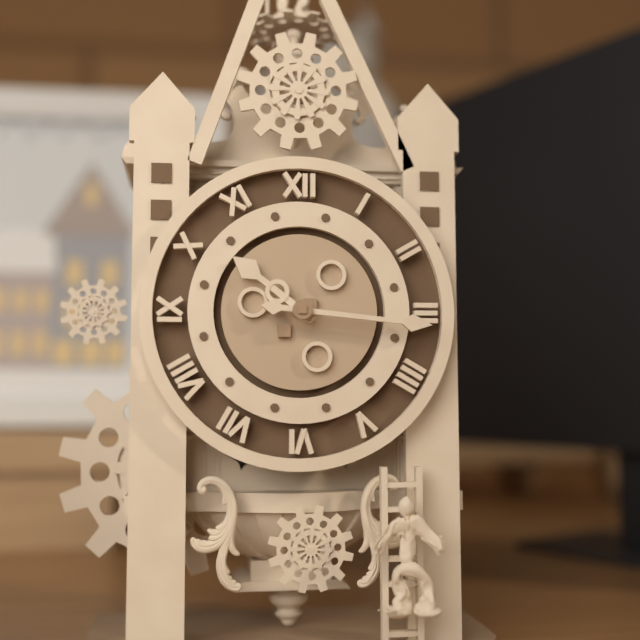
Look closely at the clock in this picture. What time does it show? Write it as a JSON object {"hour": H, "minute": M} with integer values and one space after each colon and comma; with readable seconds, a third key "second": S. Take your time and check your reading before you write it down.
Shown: {"hour": 10, "minute": 16}
